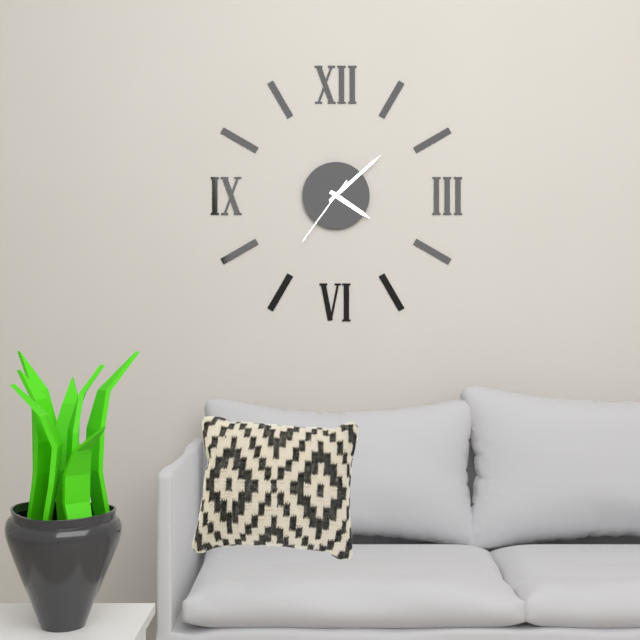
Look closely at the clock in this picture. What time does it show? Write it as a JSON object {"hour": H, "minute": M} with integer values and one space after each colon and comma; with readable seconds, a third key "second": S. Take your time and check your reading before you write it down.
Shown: {"hour": 4, "minute": 8, "second": 36}
